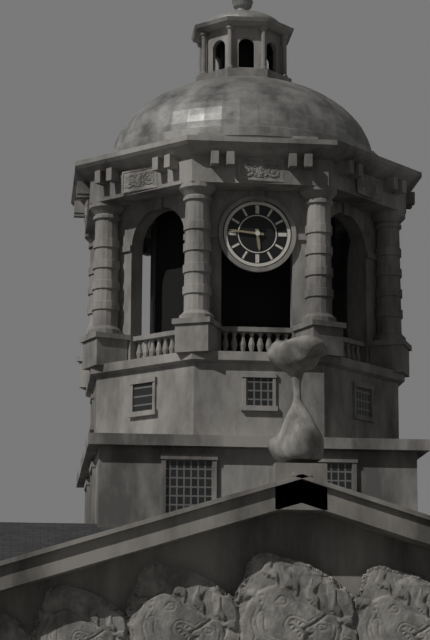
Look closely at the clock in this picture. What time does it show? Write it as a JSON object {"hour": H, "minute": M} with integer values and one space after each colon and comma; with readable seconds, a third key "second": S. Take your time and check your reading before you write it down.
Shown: {"hour": 5, "minute": 46}
